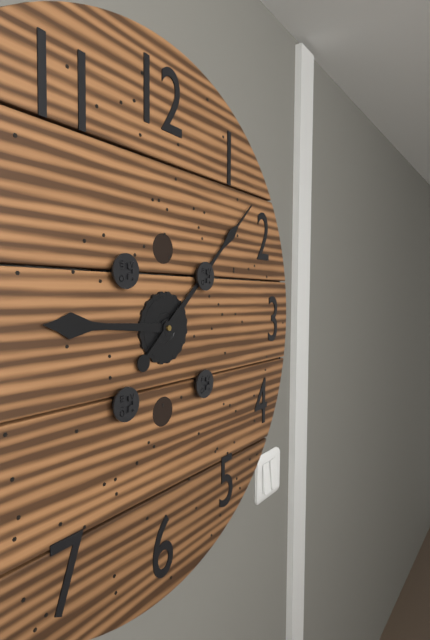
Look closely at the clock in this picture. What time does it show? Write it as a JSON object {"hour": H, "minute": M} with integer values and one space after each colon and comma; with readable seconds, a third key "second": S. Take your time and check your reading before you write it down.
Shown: {"hour": 9, "minute": 8}
